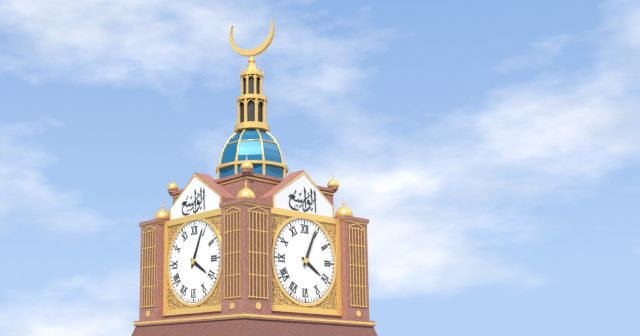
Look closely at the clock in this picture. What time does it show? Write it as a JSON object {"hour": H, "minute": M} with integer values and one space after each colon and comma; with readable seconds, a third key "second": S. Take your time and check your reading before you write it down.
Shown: {"hour": 4, "minute": 4}
